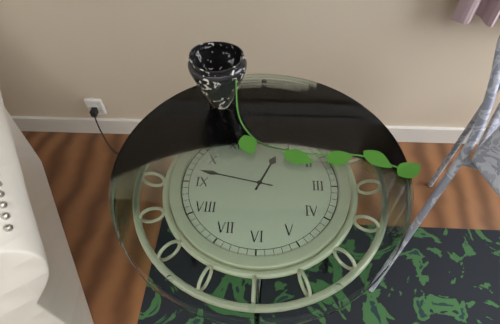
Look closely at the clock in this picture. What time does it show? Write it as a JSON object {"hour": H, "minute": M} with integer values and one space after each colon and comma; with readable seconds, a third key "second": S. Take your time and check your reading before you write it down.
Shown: {"hour": 12, "minute": 47}
